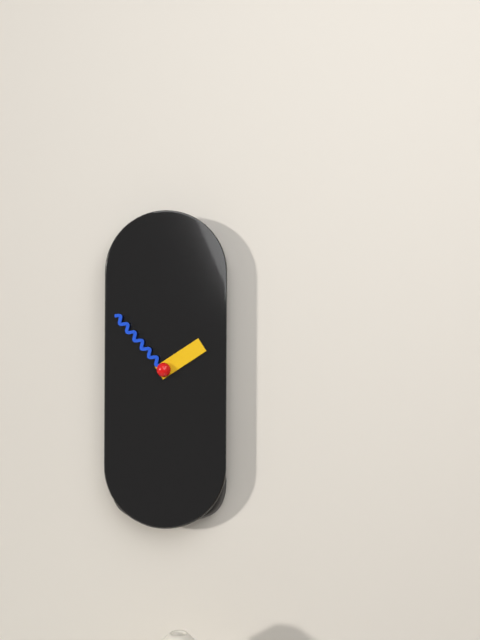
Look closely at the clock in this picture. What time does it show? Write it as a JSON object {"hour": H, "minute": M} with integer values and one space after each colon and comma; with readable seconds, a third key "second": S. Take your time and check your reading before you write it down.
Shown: {"hour": 1, "minute": 53}
